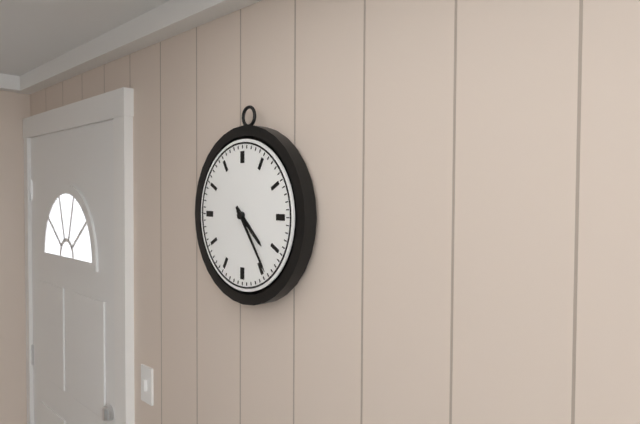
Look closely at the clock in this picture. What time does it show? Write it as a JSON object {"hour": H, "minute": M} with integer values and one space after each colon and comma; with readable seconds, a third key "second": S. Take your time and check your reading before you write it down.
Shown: {"hour": 4, "minute": 24}
